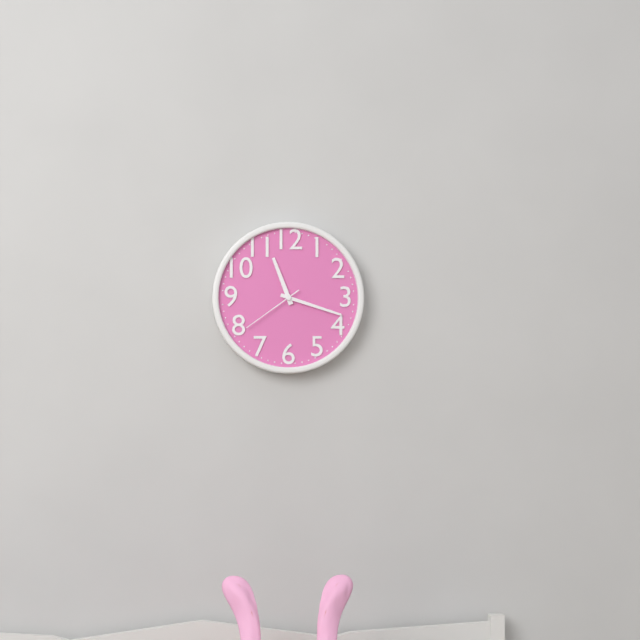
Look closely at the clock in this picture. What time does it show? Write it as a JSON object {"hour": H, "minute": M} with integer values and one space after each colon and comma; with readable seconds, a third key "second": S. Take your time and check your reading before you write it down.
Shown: {"hour": 11, "minute": 18, "second": 39}
